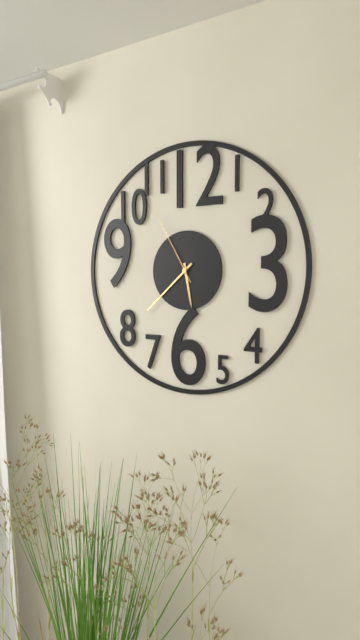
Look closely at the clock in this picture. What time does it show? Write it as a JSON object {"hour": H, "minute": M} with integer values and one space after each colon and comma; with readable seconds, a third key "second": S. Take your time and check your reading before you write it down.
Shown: {"hour": 5, "minute": 38, "second": 55}
